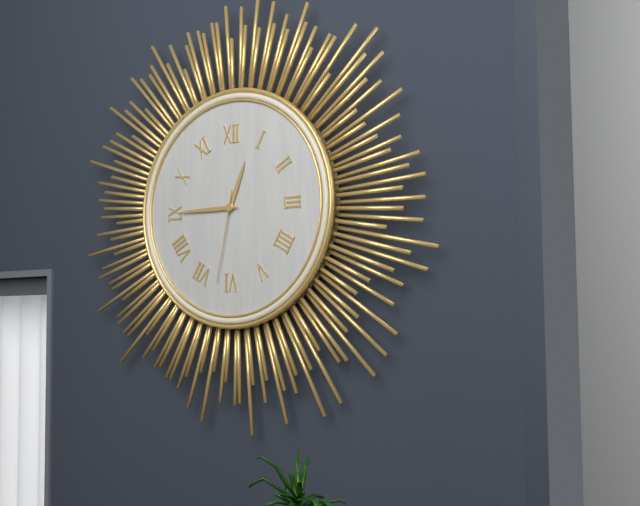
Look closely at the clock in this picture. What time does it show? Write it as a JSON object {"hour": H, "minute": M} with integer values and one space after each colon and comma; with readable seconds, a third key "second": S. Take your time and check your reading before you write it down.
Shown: {"hour": 12, "minute": 45, "second": 32}
